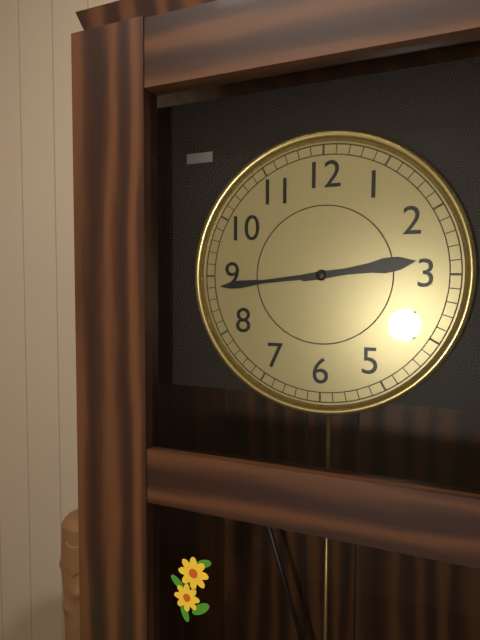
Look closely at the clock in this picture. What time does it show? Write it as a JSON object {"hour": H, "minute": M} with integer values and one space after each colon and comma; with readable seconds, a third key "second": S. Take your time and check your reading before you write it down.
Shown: {"hour": 2, "minute": 44}
